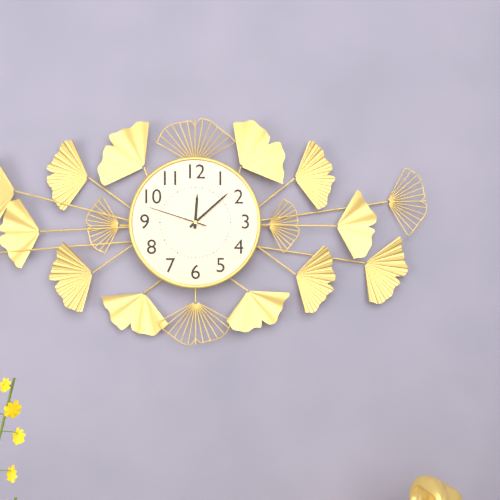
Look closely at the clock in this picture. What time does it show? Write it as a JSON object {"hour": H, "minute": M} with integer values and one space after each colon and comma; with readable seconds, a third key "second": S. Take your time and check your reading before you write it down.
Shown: {"hour": 12, "minute": 8, "second": 48}
